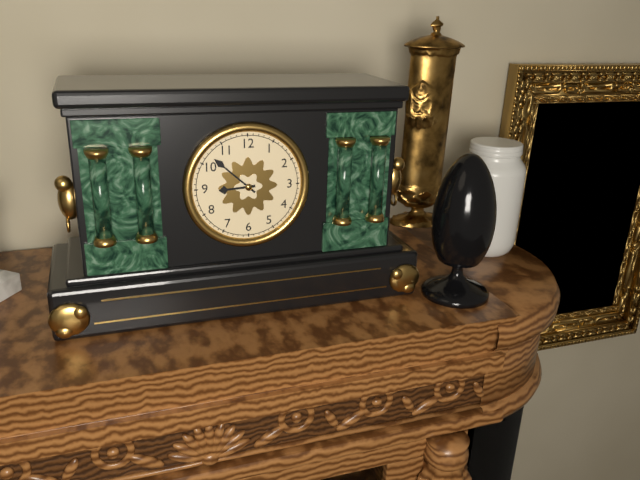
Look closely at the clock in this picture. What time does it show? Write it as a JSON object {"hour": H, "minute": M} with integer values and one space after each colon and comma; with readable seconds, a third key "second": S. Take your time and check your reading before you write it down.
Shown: {"hour": 8, "minute": 52}
